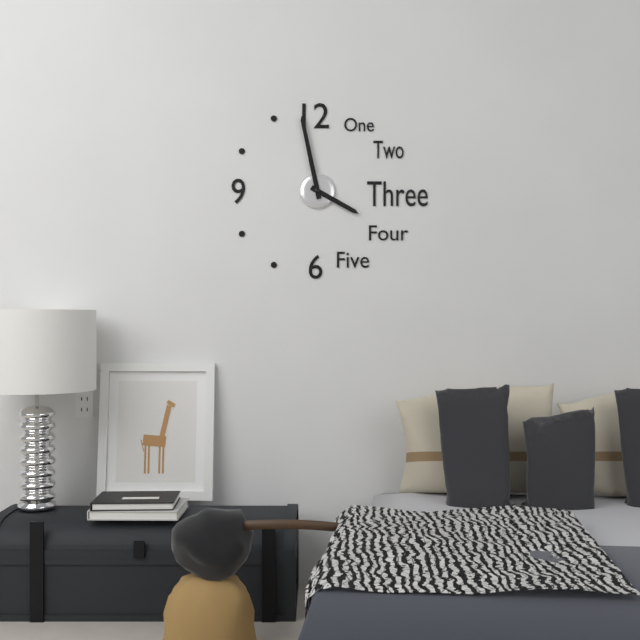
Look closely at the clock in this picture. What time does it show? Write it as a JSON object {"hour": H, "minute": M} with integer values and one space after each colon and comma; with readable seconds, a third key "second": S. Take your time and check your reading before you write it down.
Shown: {"hour": 3, "minute": 58}
